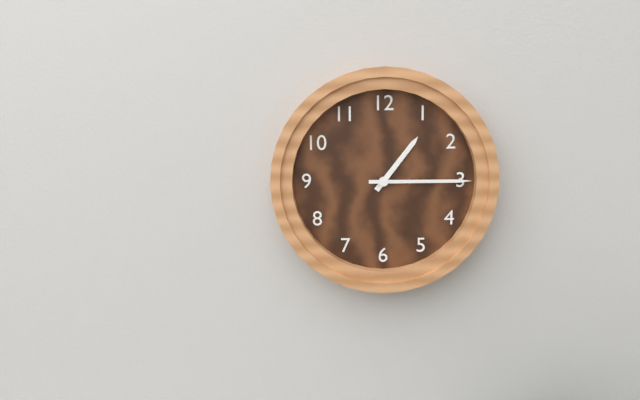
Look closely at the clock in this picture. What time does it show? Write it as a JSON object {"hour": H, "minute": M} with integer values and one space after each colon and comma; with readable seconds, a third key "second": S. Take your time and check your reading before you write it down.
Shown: {"hour": 1, "minute": 15}
